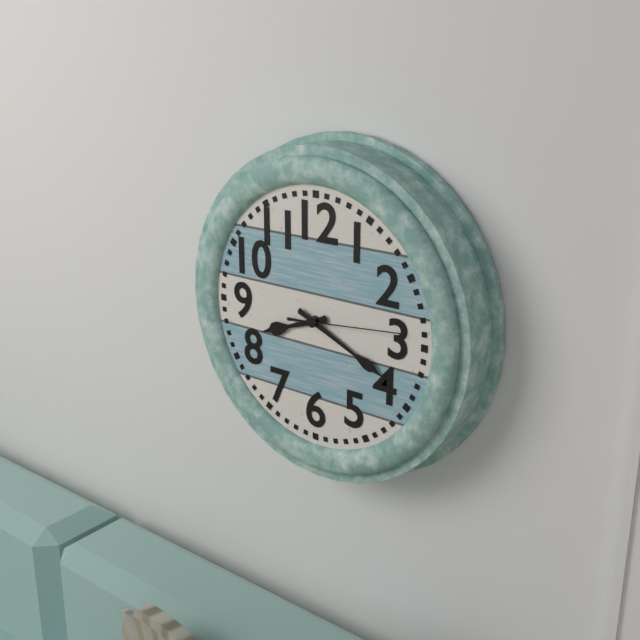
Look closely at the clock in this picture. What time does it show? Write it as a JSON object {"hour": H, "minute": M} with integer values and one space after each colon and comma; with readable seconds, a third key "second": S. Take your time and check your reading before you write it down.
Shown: {"hour": 8, "minute": 19, "second": 14}
